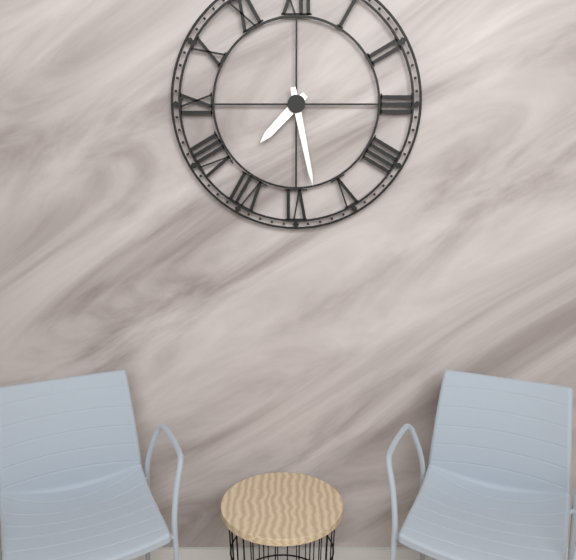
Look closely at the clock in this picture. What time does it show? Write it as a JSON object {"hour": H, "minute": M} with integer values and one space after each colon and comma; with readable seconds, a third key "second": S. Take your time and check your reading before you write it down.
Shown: {"hour": 7, "minute": 28}
